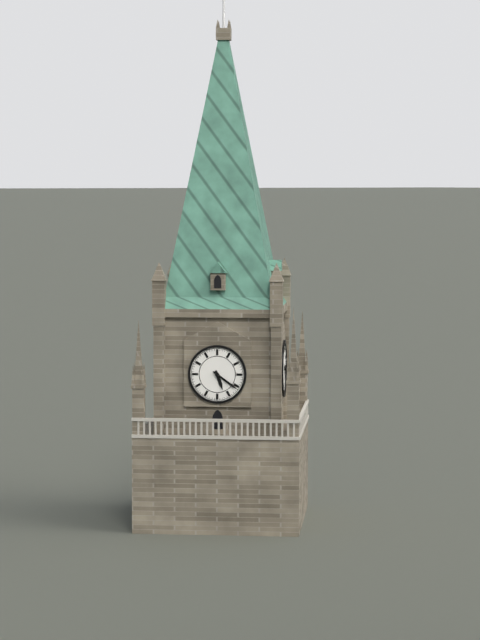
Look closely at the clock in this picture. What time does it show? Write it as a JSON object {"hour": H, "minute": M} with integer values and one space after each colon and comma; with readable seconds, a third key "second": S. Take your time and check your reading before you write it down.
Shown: {"hour": 5, "minute": 21}
